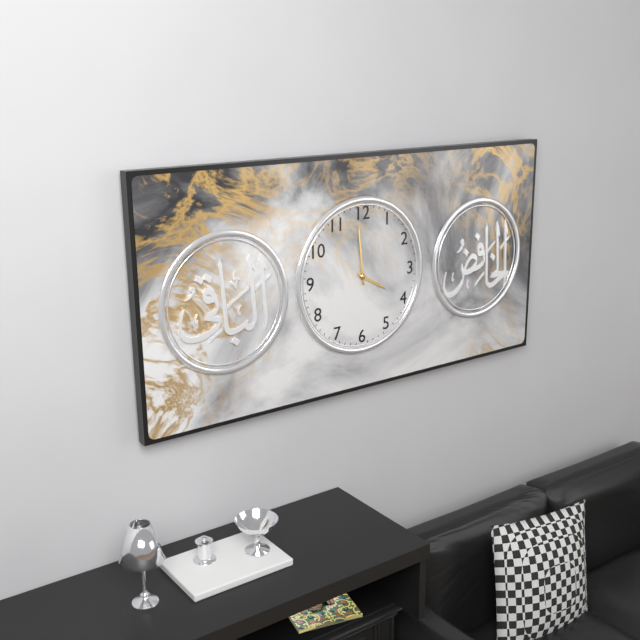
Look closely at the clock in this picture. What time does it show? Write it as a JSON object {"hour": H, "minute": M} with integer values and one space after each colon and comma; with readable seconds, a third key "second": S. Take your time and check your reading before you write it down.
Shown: {"hour": 3, "minute": 59}
